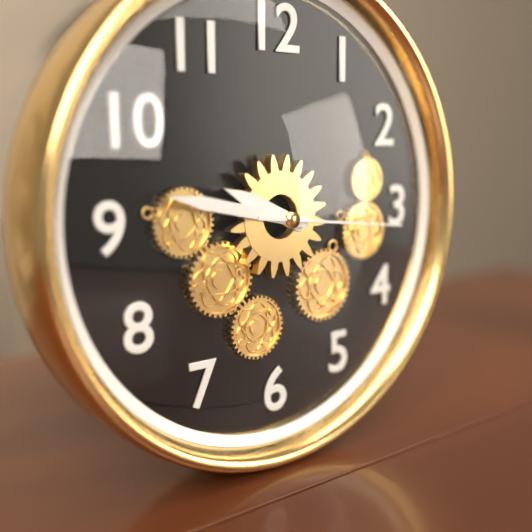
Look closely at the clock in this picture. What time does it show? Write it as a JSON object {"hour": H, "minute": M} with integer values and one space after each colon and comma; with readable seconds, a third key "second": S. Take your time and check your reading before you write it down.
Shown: {"hour": 9, "minute": 47, "second": 16}
